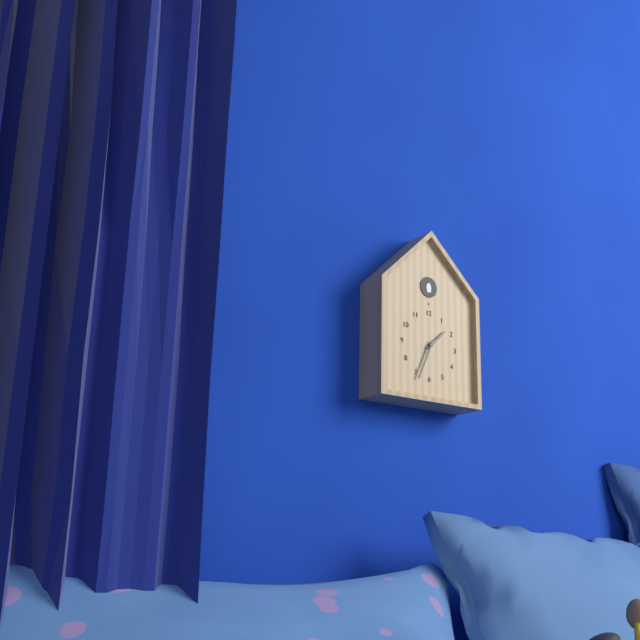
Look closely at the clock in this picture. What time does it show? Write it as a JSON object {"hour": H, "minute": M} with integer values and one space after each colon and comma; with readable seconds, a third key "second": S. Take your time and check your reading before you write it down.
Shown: {"hour": 1, "minute": 34}
